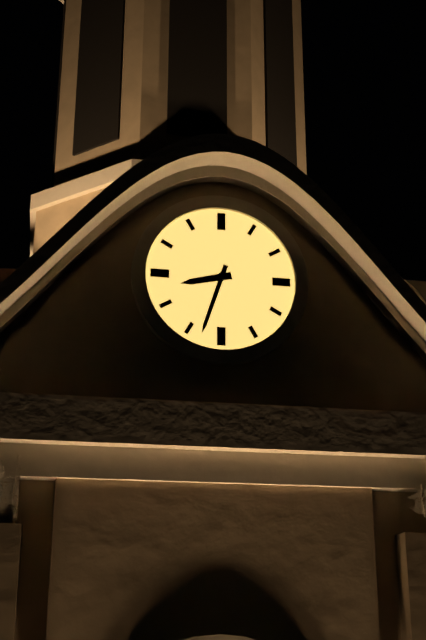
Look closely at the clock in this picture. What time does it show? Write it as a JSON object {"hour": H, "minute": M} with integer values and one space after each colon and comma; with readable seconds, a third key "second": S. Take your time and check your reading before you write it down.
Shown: {"hour": 8, "minute": 33}
